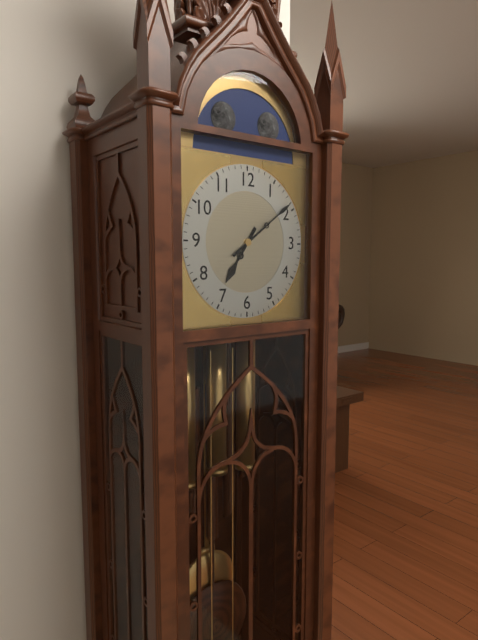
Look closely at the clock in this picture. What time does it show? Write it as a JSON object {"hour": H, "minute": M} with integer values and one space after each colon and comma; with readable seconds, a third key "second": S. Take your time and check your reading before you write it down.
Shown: {"hour": 7, "minute": 9}
